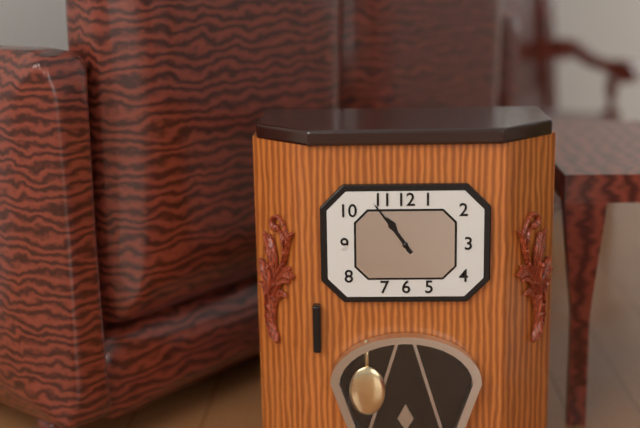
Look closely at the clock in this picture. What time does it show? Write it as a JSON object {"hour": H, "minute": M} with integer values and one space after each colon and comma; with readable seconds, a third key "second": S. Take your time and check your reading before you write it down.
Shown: {"hour": 10, "minute": 54}
